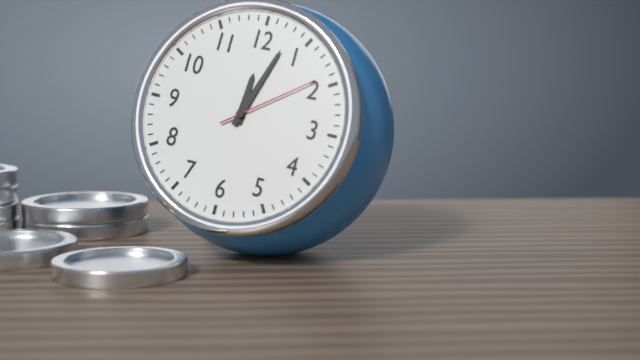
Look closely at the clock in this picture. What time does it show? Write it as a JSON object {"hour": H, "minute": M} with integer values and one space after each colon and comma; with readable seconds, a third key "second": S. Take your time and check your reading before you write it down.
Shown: {"hour": 12, "minute": 3, "second": 9}
